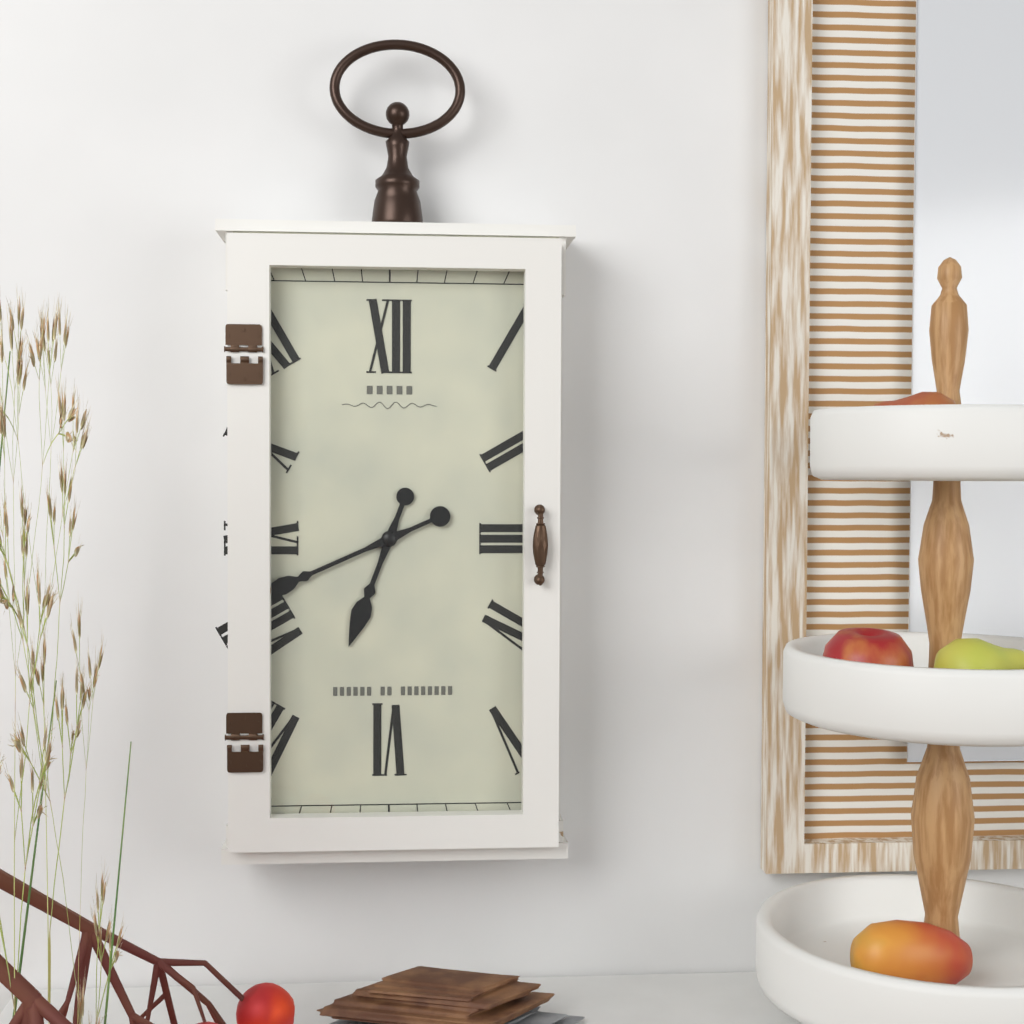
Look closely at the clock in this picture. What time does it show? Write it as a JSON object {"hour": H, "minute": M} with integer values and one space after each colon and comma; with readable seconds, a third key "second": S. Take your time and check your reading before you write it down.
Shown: {"hour": 6, "minute": 41}
